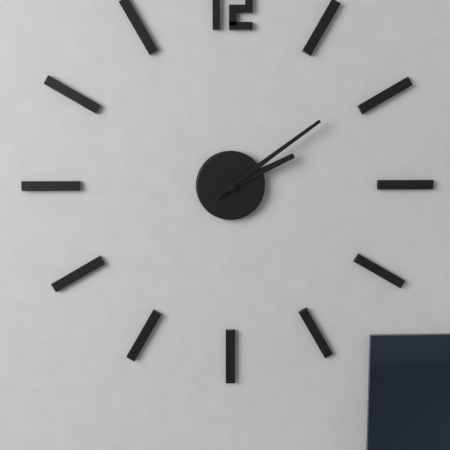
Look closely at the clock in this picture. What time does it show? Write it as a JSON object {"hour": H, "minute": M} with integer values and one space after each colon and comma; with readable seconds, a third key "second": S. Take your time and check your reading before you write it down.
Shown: {"hour": 2, "minute": 9}
